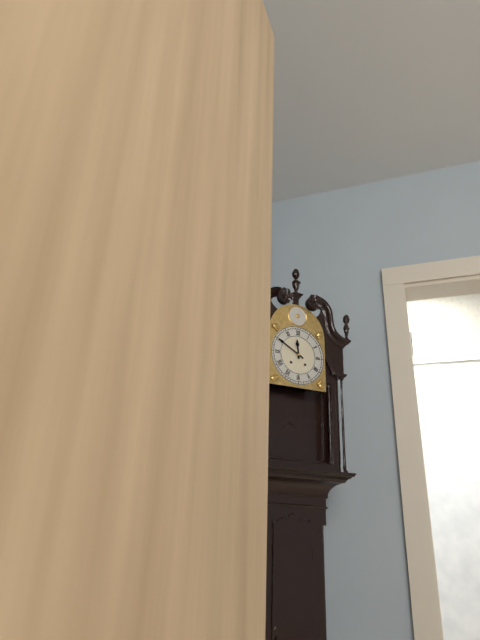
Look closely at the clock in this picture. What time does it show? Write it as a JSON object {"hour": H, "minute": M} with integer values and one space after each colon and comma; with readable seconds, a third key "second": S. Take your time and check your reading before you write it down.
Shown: {"hour": 11, "minute": 50}
